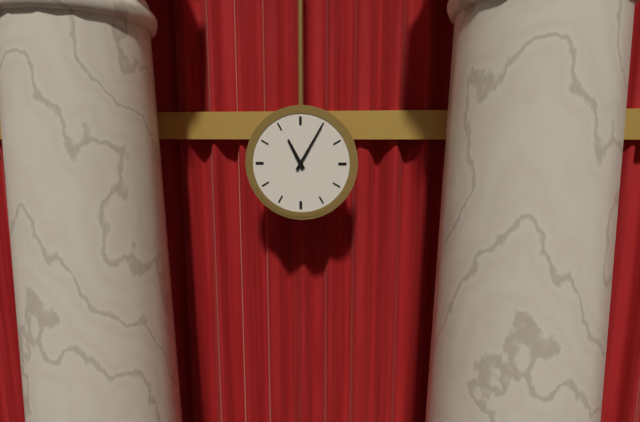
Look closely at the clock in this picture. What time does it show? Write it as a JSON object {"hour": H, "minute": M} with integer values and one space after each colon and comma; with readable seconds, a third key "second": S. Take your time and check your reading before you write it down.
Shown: {"hour": 11, "minute": 5}
